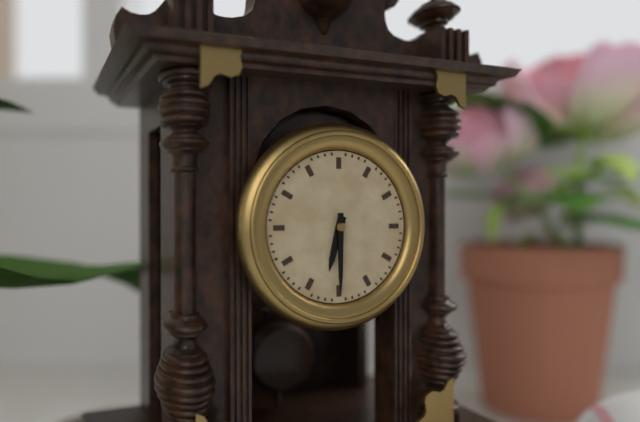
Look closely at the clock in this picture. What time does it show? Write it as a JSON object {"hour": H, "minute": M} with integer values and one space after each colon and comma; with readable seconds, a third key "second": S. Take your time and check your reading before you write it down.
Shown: {"hour": 6, "minute": 30}
